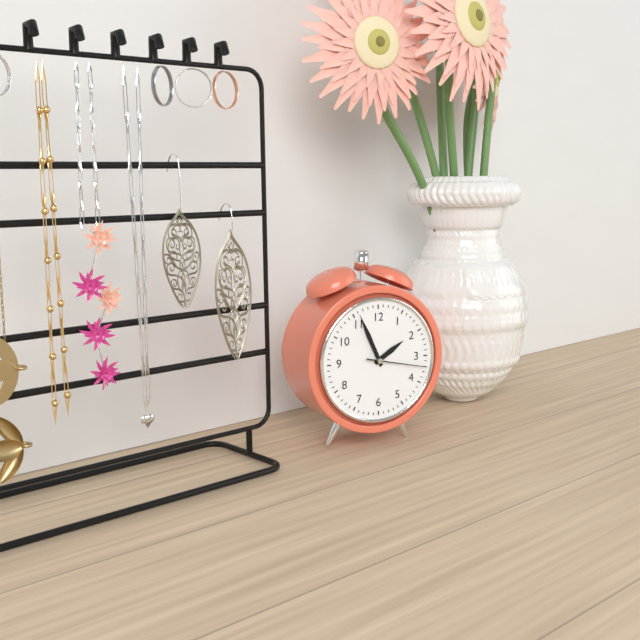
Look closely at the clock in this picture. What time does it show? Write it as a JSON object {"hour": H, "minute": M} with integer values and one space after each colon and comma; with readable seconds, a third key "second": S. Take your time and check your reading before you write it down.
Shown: {"hour": 1, "minute": 56, "second": 17}
